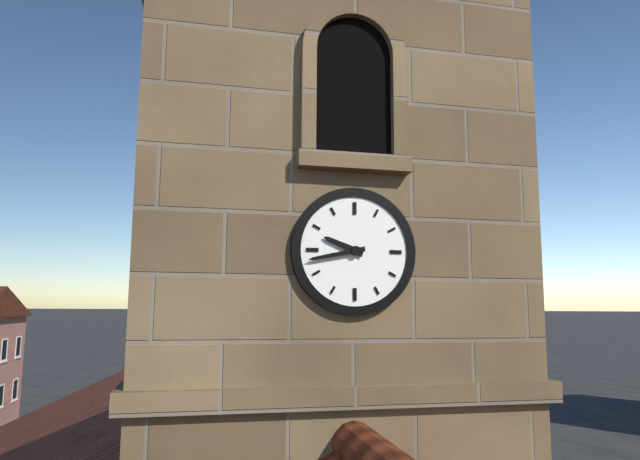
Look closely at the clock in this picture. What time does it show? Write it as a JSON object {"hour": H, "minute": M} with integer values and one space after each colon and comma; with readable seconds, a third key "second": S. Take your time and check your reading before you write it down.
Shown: {"hour": 9, "minute": 43}
